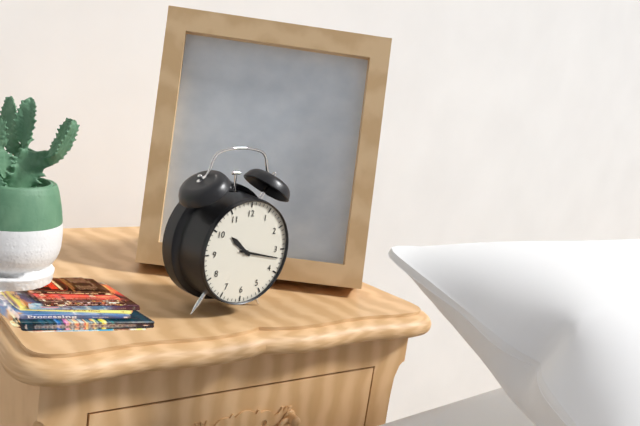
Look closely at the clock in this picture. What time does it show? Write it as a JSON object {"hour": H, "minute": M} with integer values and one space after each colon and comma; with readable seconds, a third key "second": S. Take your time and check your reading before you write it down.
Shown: {"hour": 10, "minute": 17}
